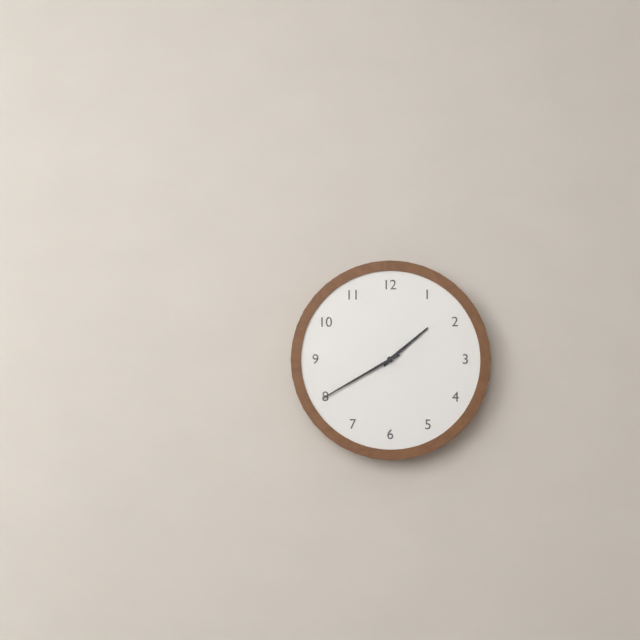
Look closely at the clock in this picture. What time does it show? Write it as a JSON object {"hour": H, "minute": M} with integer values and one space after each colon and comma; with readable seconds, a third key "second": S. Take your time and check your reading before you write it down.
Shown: {"hour": 1, "minute": 40}
